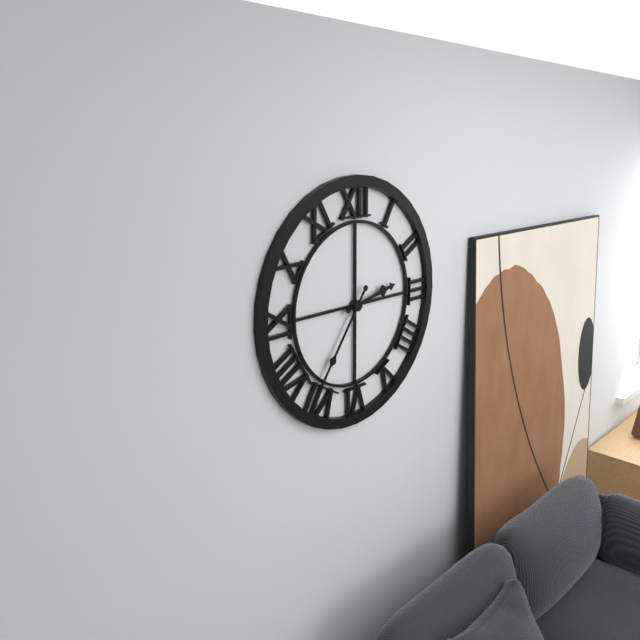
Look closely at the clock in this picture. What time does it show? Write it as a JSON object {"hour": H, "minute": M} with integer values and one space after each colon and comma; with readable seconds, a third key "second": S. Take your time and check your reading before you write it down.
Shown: {"hour": 2, "minute": 36}
